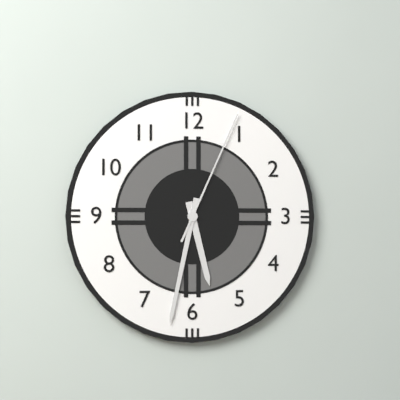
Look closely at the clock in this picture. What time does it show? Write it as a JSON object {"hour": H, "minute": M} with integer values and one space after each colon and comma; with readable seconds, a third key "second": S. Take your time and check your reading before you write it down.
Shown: {"hour": 5, "minute": 32, "second": 4}
